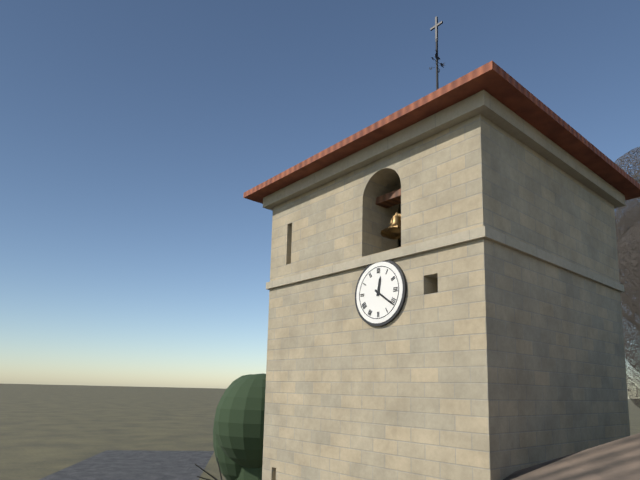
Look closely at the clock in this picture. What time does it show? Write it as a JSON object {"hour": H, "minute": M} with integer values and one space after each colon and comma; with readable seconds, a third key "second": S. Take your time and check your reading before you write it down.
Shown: {"hour": 12, "minute": 21}
